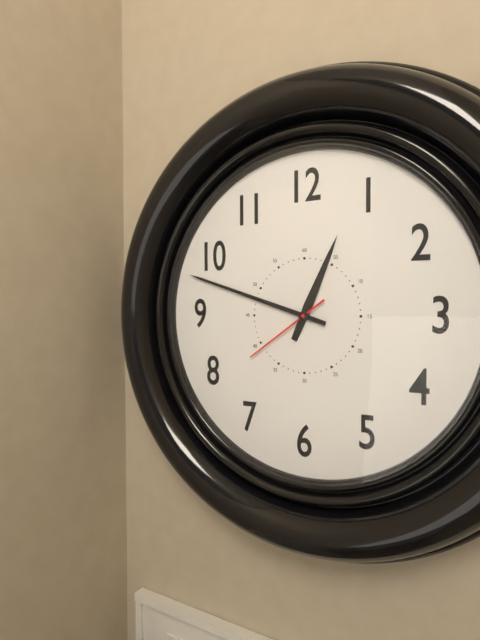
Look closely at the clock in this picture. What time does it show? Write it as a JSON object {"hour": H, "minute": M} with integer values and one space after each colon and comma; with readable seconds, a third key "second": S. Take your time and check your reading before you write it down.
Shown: {"hour": 12, "minute": 48, "second": 39}
